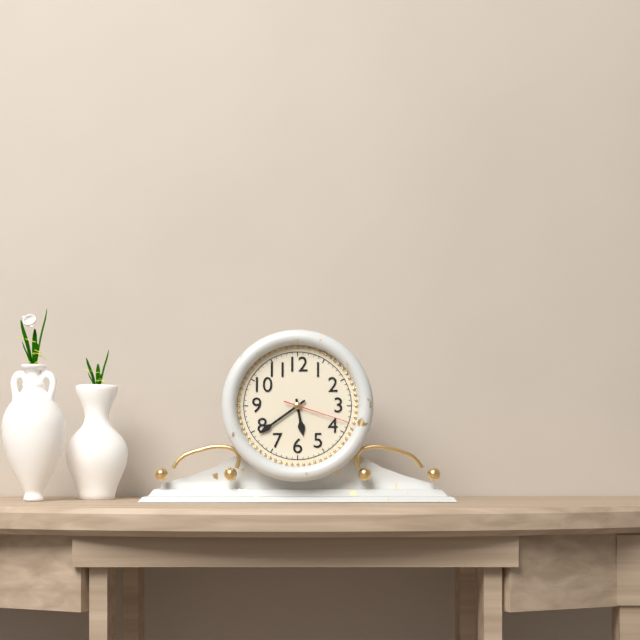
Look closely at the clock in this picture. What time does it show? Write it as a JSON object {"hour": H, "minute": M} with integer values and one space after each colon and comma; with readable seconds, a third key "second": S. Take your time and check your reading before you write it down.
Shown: {"hour": 5, "minute": 39, "second": 18}
